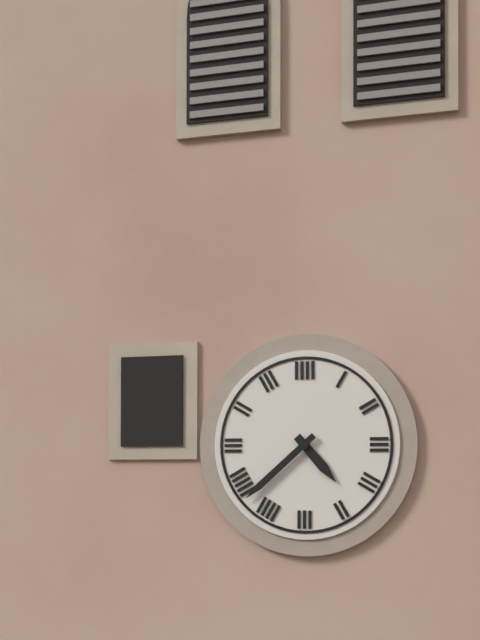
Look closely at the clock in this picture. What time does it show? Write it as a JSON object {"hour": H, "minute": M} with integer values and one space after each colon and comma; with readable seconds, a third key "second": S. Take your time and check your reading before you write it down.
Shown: {"hour": 4, "minute": 38}
